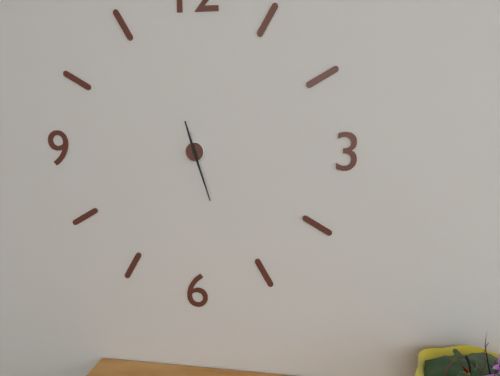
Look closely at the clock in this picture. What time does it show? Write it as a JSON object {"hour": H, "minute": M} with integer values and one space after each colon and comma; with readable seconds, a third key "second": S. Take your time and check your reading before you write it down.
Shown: {"hour": 11, "minute": 27}
